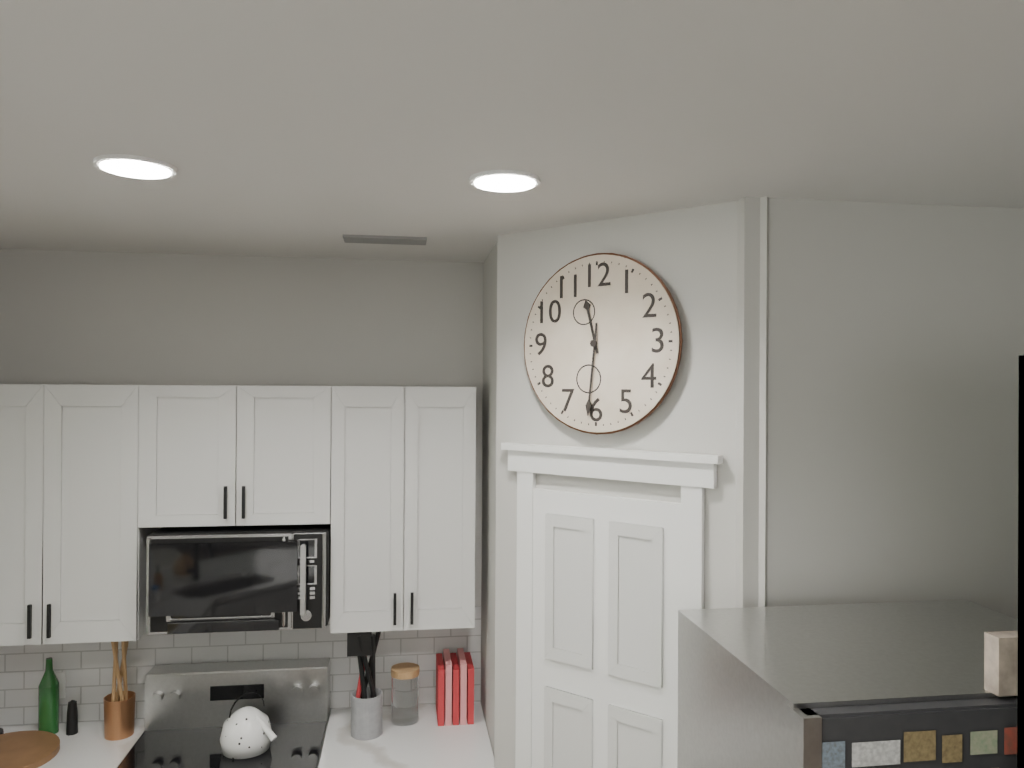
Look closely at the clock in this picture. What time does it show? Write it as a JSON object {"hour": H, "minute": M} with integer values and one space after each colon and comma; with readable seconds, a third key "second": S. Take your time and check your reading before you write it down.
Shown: {"hour": 11, "minute": 31}
